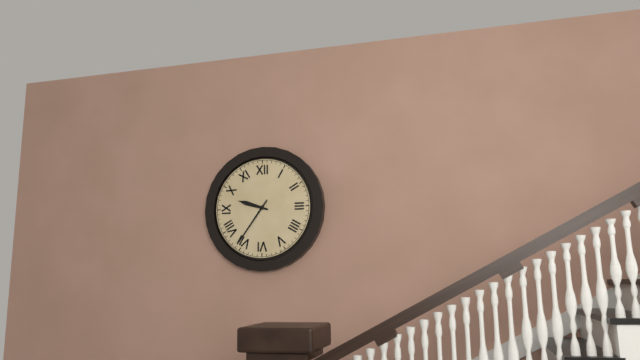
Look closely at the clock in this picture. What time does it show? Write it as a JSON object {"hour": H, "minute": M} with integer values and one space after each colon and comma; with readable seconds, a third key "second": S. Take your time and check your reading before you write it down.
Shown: {"hour": 9, "minute": 36}
